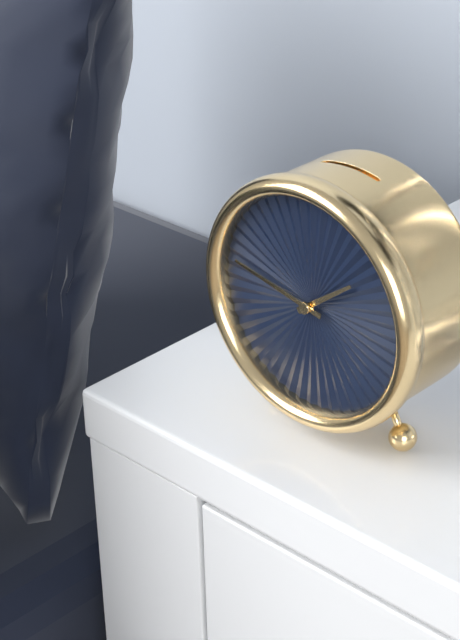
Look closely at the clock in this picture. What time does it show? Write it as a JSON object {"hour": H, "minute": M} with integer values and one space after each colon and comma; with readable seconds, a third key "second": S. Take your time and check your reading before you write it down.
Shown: {"hour": 1, "minute": 47}
